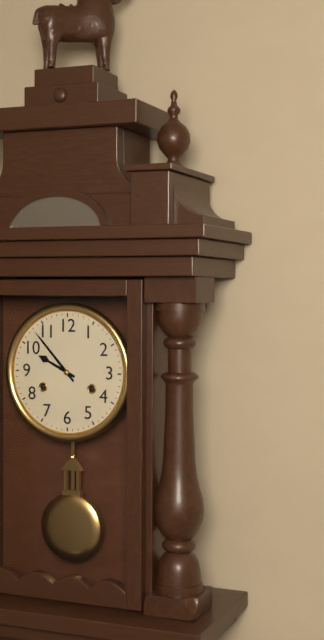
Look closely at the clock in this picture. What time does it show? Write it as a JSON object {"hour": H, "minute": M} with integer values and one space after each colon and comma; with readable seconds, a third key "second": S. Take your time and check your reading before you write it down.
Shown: {"hour": 9, "minute": 53}
